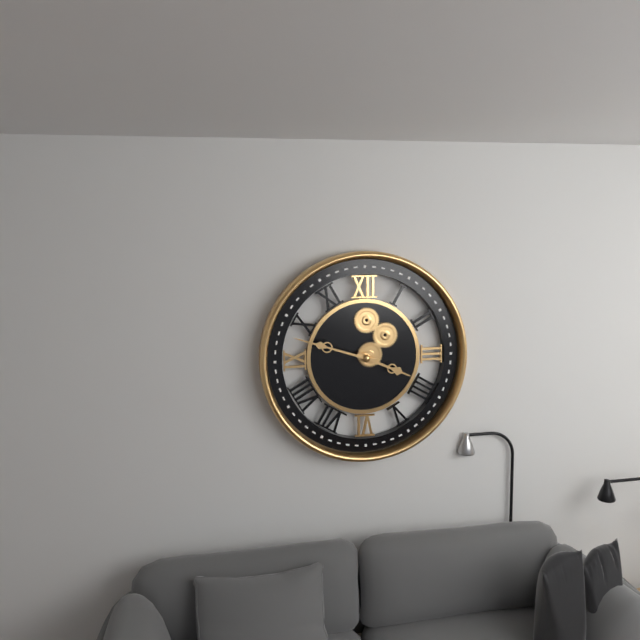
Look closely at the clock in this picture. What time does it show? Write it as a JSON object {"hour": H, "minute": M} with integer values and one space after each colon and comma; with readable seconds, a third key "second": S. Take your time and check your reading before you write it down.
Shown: {"hour": 3, "minute": 48}
